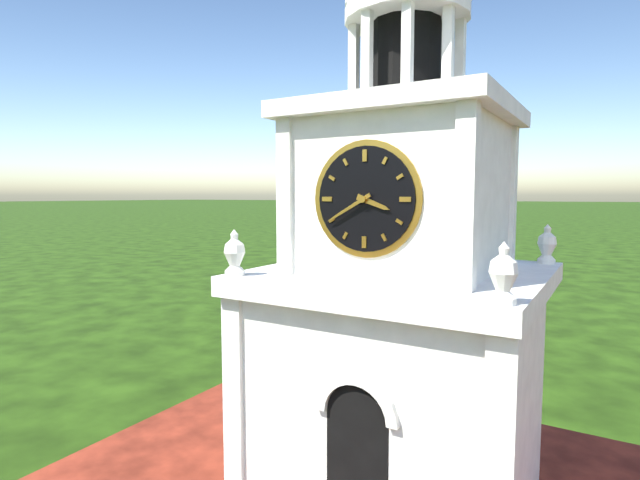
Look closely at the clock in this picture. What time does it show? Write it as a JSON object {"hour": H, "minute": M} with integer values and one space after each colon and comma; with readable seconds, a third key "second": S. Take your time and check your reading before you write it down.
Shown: {"hour": 3, "minute": 40}
